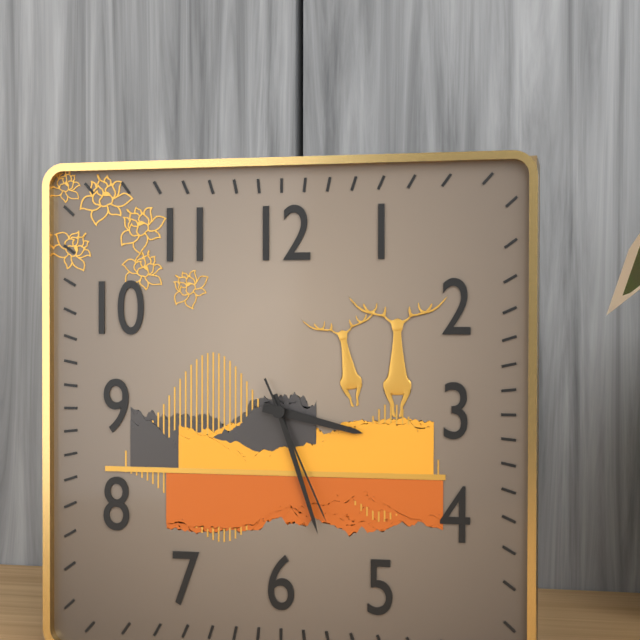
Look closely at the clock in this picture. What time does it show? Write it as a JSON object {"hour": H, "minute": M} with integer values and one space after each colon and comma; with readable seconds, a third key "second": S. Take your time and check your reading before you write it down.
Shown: {"hour": 3, "minute": 27, "second": 26}
